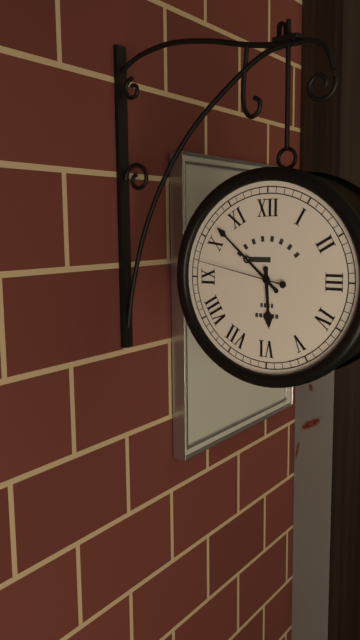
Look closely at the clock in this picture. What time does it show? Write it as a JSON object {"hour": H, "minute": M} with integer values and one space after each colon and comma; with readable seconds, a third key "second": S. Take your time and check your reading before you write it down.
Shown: {"hour": 5, "minute": 52, "second": 47}
